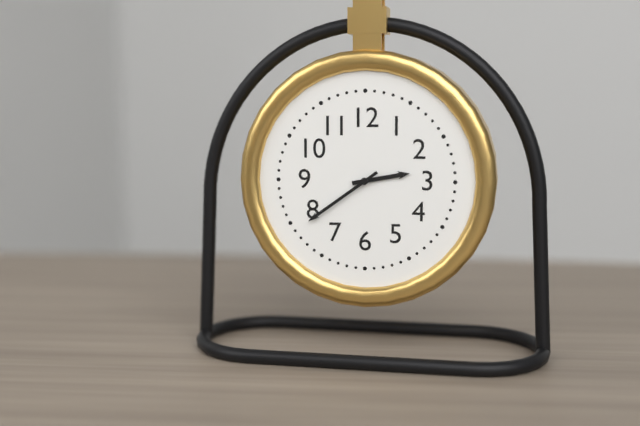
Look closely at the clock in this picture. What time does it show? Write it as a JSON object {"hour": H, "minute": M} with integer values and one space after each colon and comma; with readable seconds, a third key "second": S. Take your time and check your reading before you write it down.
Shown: {"hour": 2, "minute": 39}
